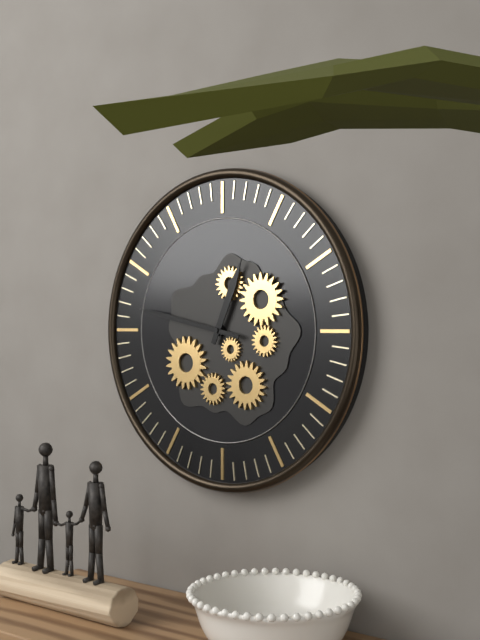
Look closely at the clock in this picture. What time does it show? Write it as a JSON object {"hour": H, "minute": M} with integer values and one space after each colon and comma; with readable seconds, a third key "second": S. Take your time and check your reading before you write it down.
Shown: {"hour": 12, "minute": 47}
